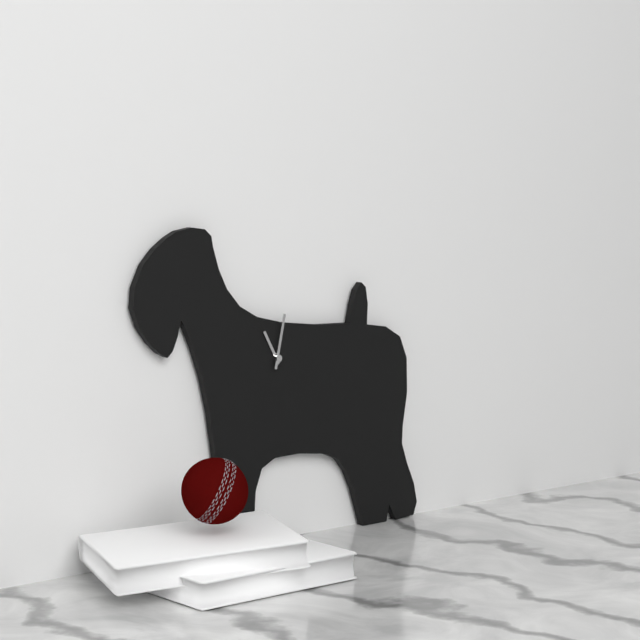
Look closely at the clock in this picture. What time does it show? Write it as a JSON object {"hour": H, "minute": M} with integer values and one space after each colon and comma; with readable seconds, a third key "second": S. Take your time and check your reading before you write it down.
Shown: {"hour": 11, "minute": 2}
